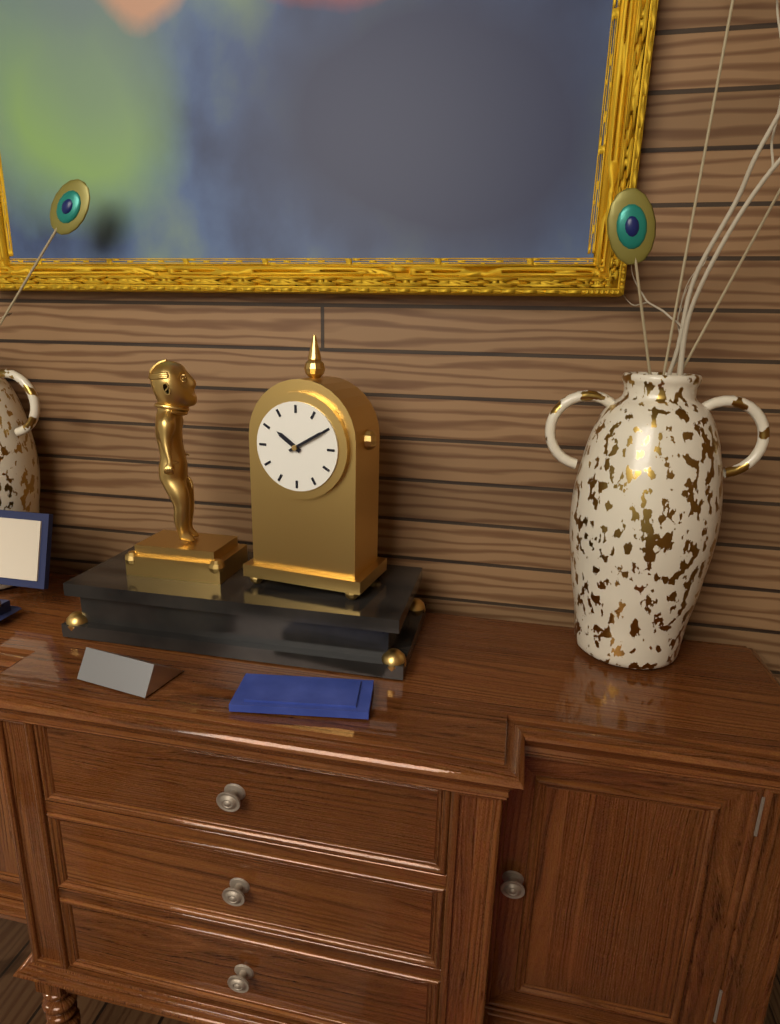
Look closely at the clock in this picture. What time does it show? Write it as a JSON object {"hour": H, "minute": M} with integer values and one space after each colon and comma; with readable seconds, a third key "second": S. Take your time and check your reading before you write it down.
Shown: {"hour": 10, "minute": 10}
